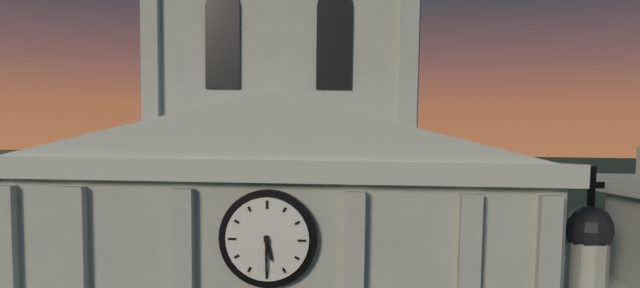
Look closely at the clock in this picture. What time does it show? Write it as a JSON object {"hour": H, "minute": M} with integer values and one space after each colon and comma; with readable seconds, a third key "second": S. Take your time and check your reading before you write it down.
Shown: {"hour": 5, "minute": 30}
